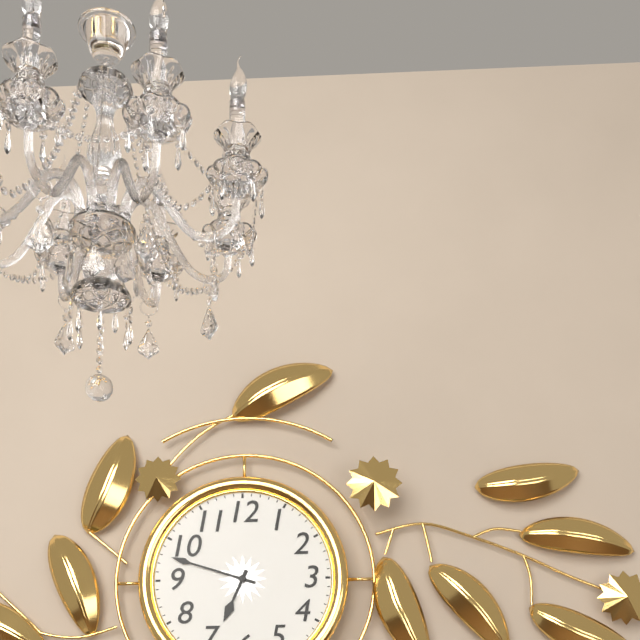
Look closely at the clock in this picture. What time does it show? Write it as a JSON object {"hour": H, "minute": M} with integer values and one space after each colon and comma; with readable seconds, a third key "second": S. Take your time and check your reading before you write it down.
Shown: {"hour": 6, "minute": 48}
